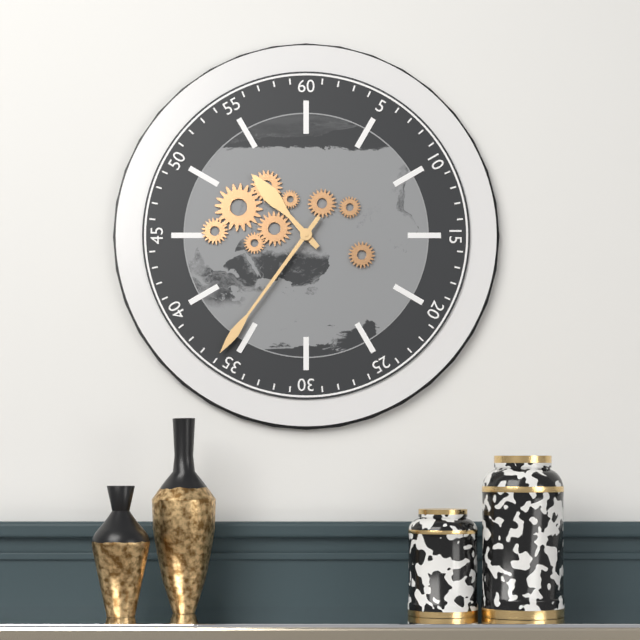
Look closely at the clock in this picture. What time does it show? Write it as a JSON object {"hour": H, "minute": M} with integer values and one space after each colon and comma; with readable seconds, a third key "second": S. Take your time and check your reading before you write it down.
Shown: {"hour": 10, "minute": 36}
